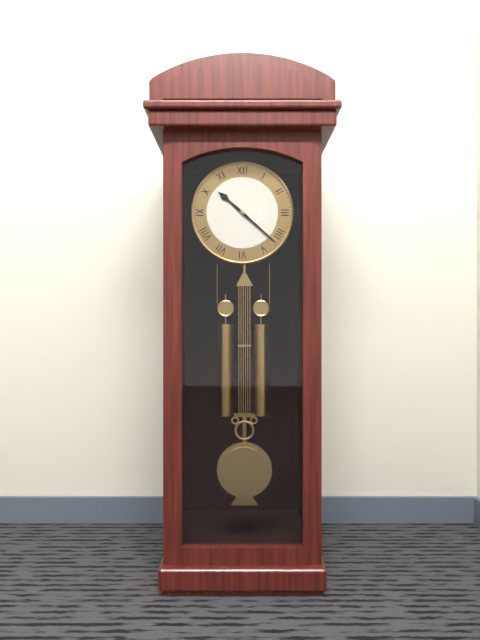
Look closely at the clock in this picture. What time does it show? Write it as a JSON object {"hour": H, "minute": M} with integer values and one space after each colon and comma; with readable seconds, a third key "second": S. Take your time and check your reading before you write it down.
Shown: {"hour": 10, "minute": 22}
